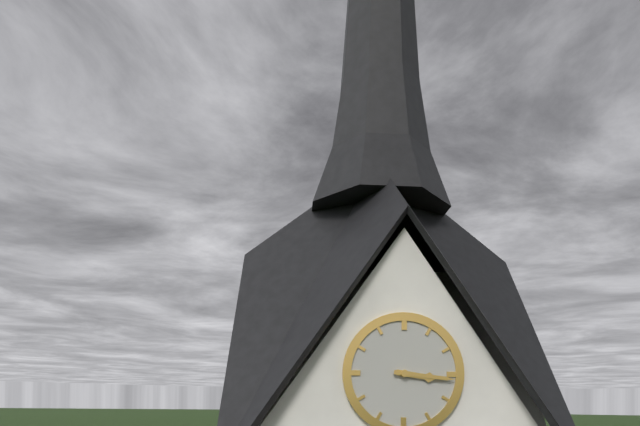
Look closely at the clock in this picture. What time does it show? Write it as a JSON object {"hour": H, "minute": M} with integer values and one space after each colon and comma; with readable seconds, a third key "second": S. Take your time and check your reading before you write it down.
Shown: {"hour": 3, "minute": 16}
